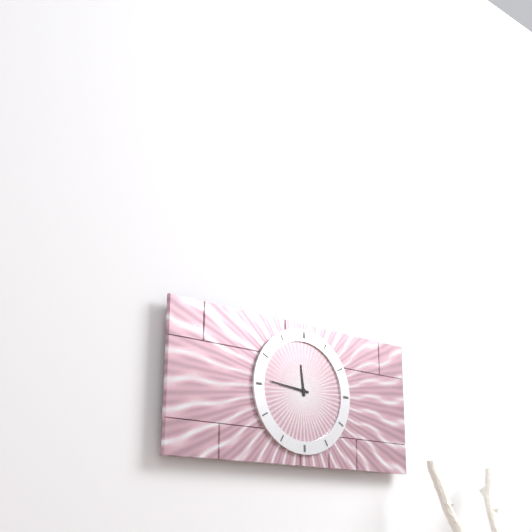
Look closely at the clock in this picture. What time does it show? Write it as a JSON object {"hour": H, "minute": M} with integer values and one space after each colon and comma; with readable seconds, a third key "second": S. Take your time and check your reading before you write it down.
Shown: {"hour": 11, "minute": 46}
